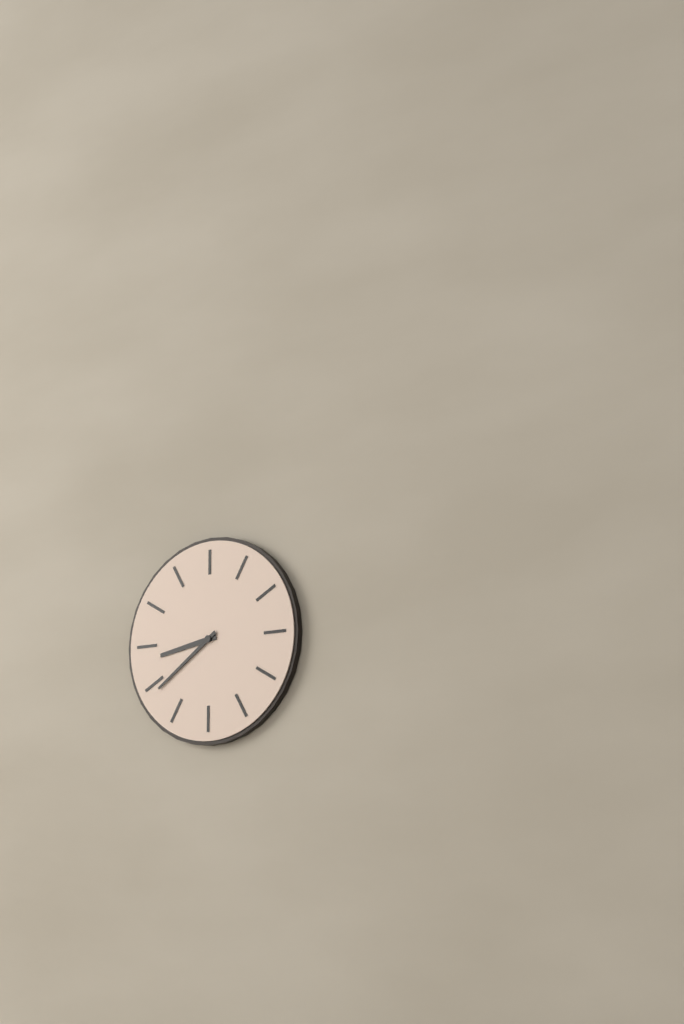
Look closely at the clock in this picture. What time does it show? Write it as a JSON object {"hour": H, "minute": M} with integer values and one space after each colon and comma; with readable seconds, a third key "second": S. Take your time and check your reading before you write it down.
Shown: {"hour": 8, "minute": 39}
